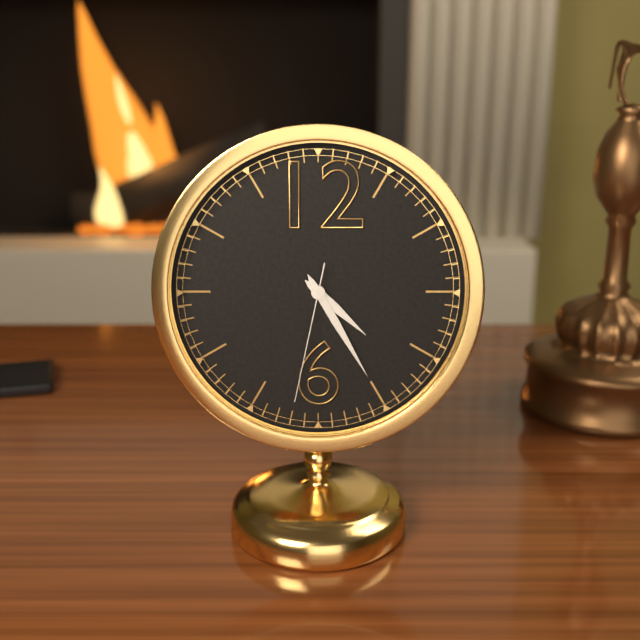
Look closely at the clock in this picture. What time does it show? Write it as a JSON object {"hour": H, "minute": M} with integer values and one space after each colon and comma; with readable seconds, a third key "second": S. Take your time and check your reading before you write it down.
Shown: {"hour": 4, "minute": 25, "second": 32}
